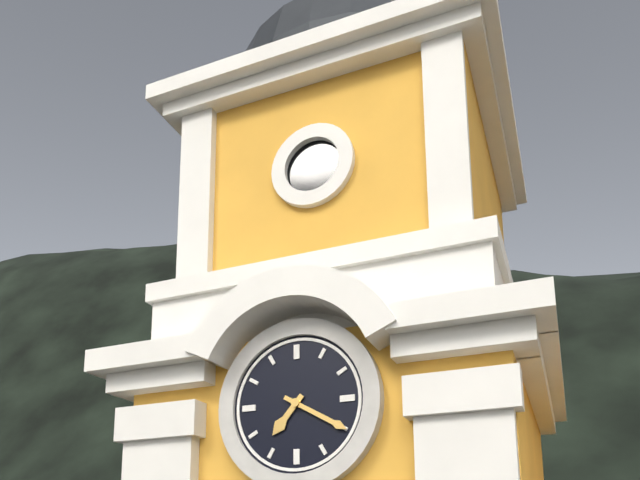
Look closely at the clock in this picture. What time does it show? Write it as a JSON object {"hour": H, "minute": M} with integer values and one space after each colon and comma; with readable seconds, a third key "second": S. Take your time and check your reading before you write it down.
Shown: {"hour": 7, "minute": 20}
